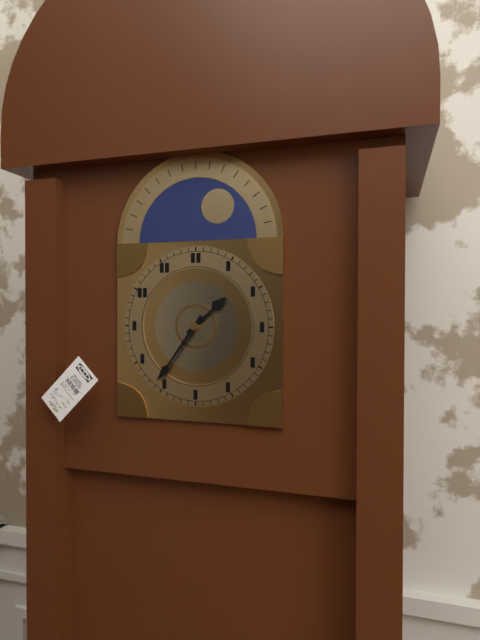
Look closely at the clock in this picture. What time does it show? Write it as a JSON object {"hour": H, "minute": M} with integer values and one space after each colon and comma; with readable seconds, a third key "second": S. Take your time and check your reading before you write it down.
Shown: {"hour": 1, "minute": 36}
